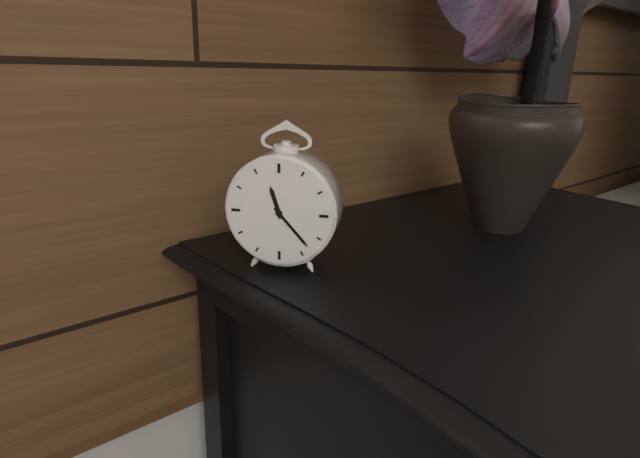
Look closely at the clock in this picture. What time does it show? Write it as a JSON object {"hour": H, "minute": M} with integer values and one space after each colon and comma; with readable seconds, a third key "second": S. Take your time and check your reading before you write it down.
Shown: {"hour": 11, "minute": 23}
